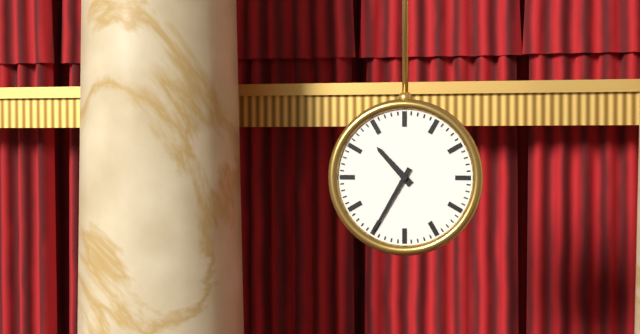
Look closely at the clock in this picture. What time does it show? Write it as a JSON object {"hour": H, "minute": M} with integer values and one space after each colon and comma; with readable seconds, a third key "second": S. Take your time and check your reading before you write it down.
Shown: {"hour": 10, "minute": 35}
